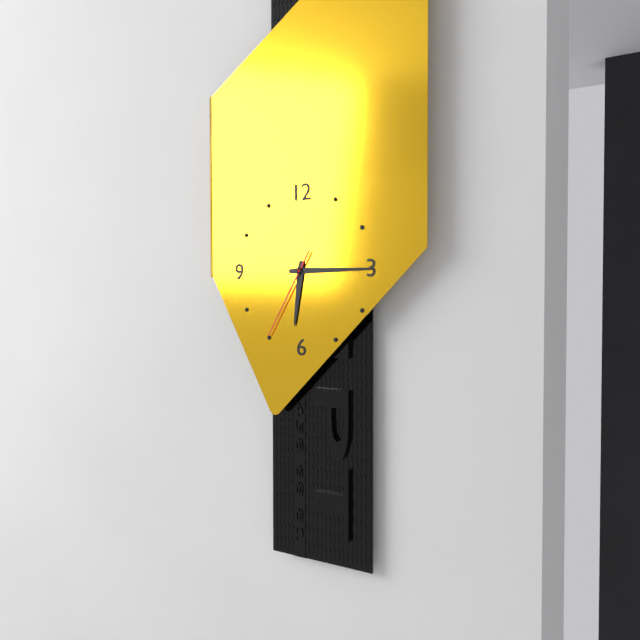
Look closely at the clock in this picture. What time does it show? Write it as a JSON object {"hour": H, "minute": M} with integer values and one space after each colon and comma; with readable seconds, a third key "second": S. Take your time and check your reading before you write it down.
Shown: {"hour": 6, "minute": 15, "second": 35}
